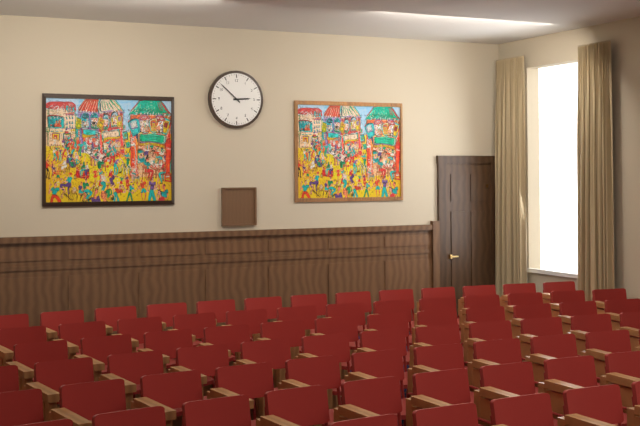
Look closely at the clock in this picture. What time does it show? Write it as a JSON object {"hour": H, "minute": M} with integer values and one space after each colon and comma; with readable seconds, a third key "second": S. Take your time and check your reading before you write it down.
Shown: {"hour": 2, "minute": 52}
